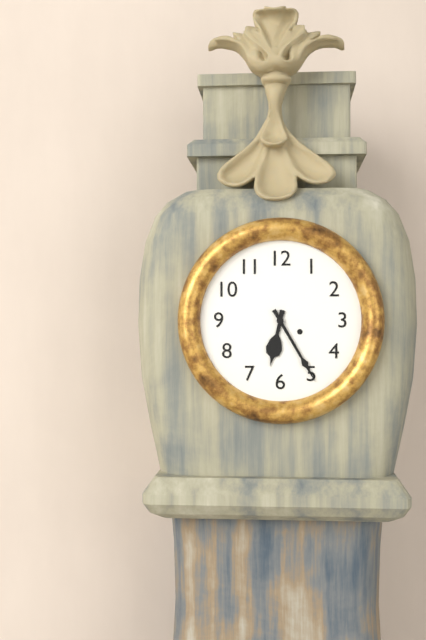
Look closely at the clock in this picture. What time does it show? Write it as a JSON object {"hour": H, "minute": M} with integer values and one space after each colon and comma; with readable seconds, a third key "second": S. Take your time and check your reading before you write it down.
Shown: {"hour": 6, "minute": 25}
